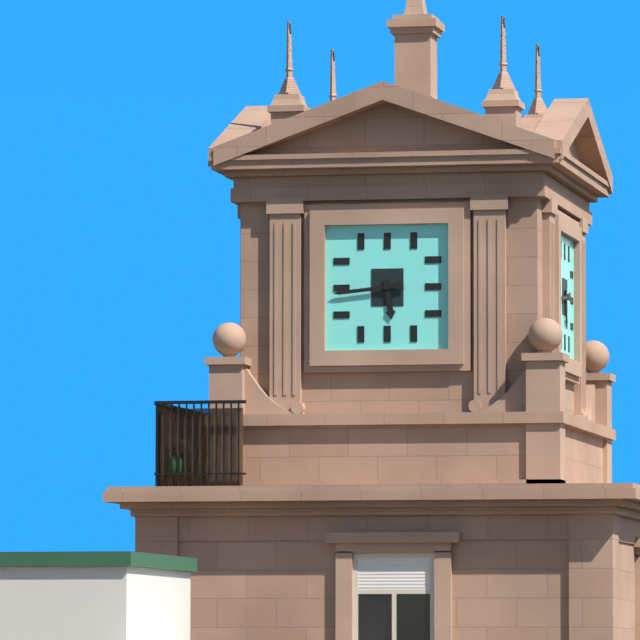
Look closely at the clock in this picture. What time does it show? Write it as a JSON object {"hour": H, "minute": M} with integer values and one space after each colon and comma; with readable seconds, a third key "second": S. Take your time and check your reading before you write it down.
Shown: {"hour": 5, "minute": 44}
